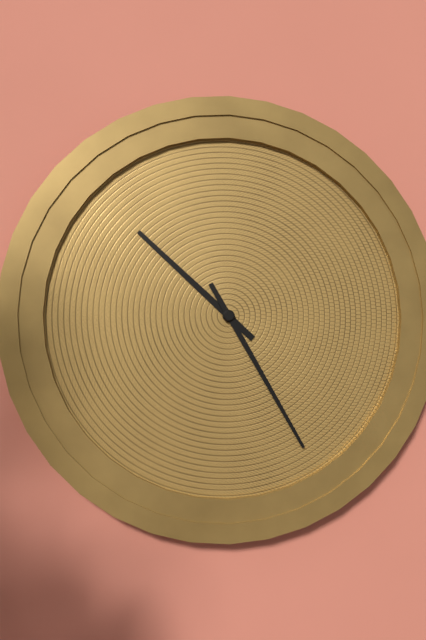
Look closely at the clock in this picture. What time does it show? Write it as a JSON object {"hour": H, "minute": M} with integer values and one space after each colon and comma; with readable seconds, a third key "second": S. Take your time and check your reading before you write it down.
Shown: {"hour": 10, "minute": 25}
